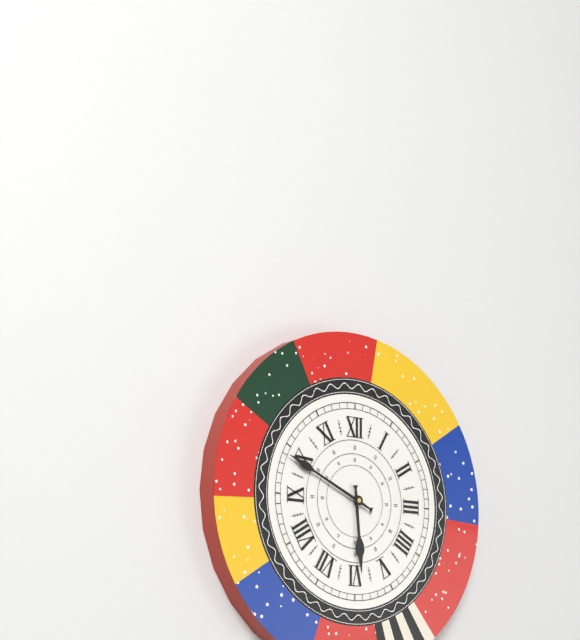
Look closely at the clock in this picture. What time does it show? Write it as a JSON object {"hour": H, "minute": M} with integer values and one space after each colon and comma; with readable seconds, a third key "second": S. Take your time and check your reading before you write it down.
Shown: {"hour": 5, "minute": 49}
